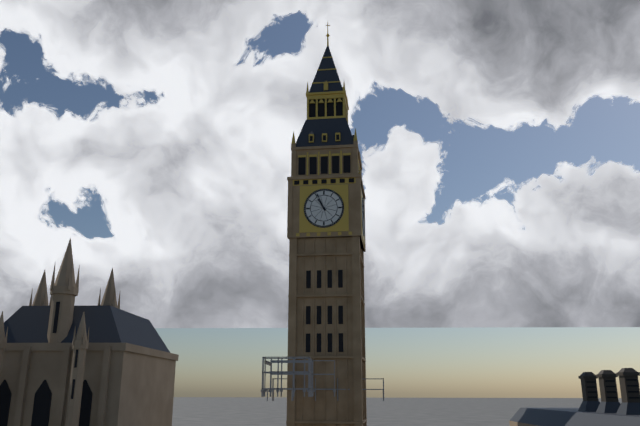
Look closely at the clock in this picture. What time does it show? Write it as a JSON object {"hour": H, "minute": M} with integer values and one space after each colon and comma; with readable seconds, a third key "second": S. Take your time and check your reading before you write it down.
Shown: {"hour": 10, "minute": 56}
